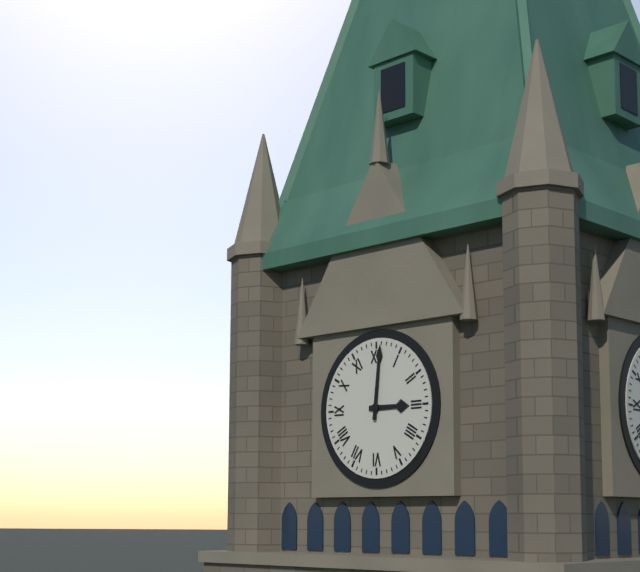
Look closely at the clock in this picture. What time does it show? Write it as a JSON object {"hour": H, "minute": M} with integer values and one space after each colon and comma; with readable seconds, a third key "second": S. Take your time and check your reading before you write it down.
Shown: {"hour": 3, "minute": 1}
